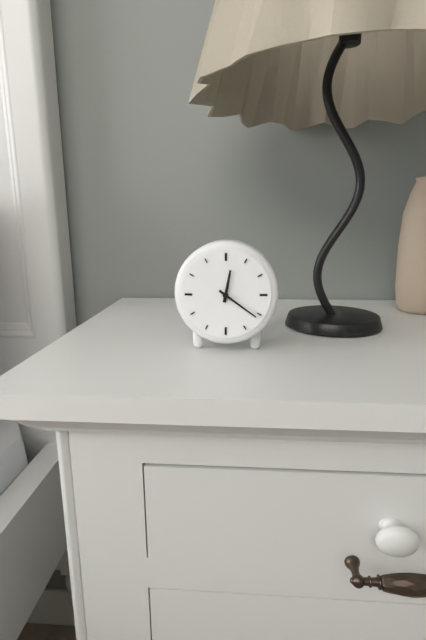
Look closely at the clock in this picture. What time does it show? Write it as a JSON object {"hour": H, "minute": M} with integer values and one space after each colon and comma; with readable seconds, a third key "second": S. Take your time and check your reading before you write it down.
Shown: {"hour": 12, "minute": 21}
